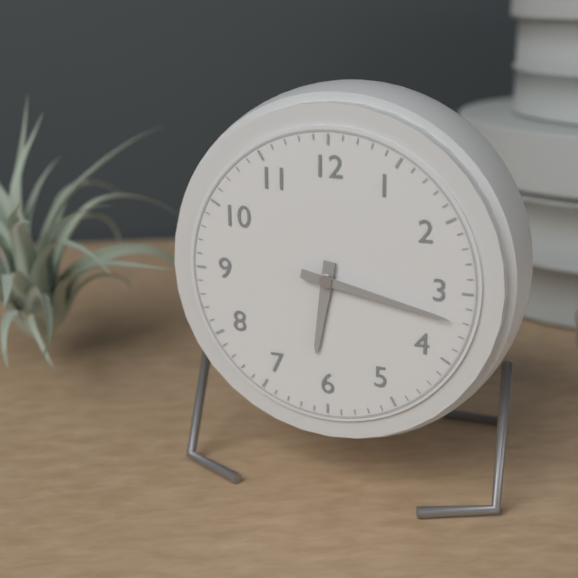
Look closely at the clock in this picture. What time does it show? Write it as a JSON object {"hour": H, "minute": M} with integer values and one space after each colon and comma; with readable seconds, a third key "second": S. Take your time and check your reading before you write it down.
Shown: {"hour": 6, "minute": 17}
